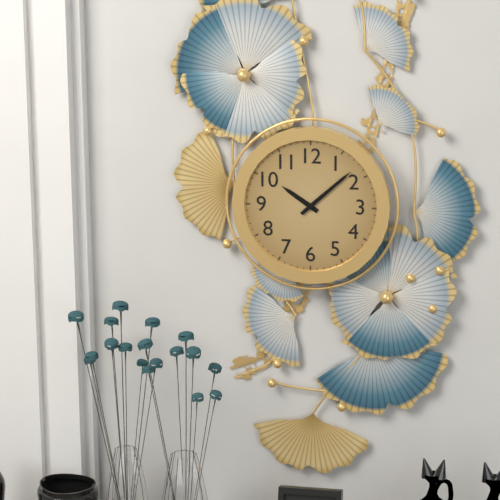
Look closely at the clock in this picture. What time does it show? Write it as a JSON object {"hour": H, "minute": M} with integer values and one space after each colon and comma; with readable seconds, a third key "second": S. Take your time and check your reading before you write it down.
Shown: {"hour": 10, "minute": 8}
